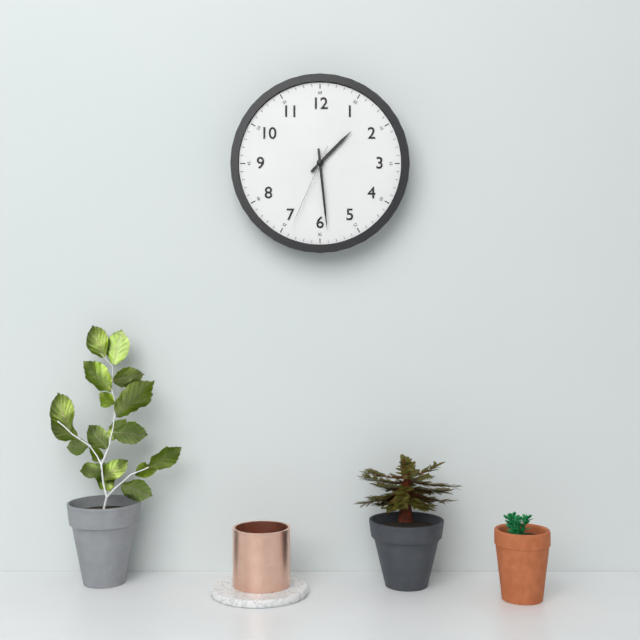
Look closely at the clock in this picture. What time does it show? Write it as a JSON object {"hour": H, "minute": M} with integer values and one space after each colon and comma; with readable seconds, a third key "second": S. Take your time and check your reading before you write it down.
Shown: {"hour": 1, "minute": 29, "second": 34}
